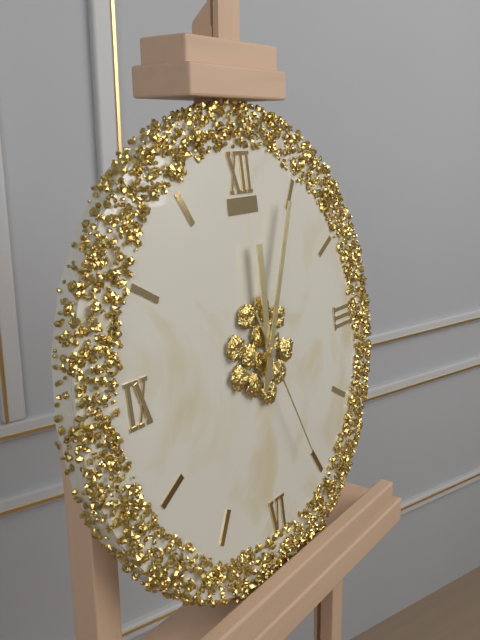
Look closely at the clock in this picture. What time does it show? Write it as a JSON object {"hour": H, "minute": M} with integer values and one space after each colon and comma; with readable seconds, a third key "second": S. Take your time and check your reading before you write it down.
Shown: {"hour": 12, "minute": 4, "second": 26}
